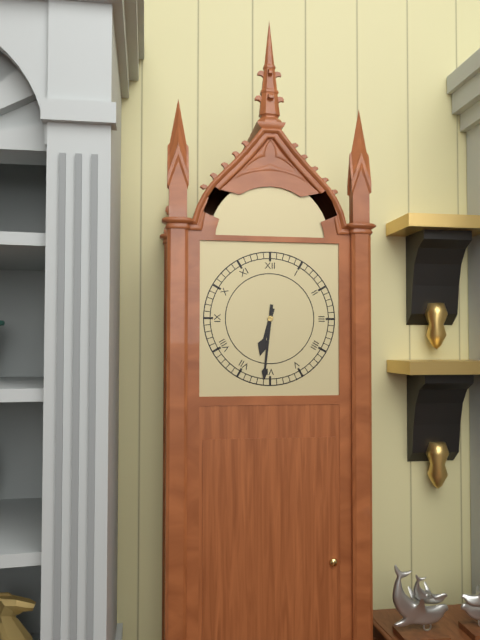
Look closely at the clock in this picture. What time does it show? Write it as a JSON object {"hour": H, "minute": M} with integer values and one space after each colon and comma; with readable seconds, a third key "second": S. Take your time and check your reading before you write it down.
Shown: {"hour": 6, "minute": 31}
